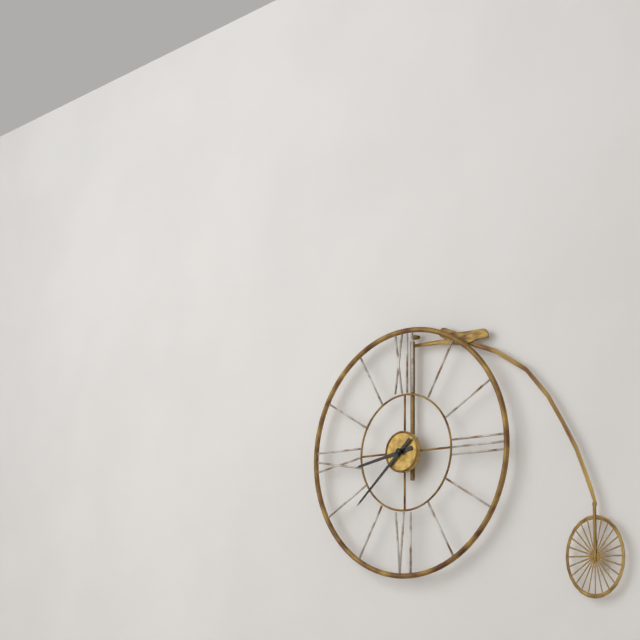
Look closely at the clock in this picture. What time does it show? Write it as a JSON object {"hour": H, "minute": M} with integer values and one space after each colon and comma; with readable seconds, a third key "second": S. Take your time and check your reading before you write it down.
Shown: {"hour": 8, "minute": 38}
